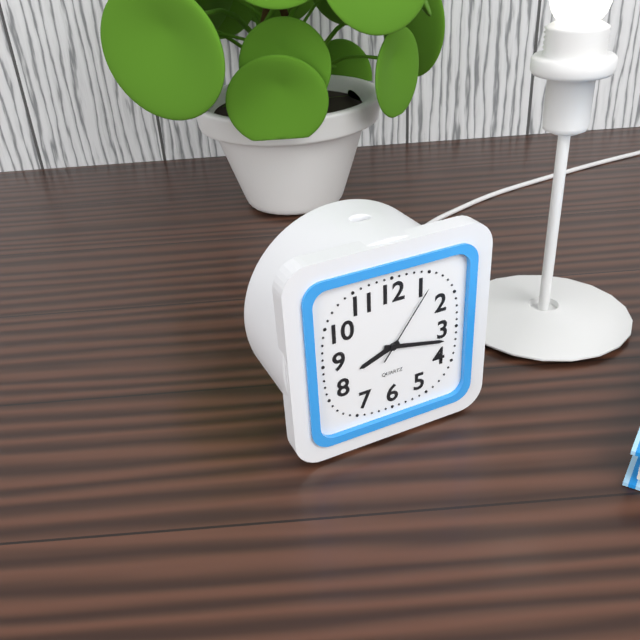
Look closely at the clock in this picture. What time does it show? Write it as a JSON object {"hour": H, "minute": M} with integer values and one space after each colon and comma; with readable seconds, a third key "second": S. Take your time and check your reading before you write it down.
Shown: {"hour": 8, "minute": 17, "second": 6}
